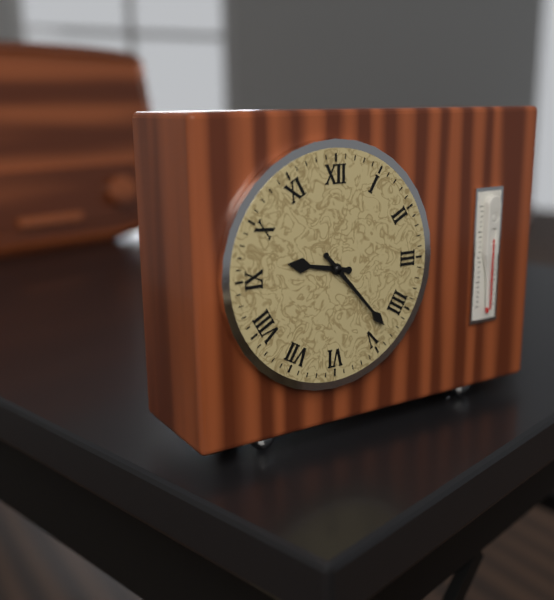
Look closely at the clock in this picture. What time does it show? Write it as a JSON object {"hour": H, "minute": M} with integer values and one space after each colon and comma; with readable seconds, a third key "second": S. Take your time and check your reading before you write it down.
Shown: {"hour": 9, "minute": 23}
